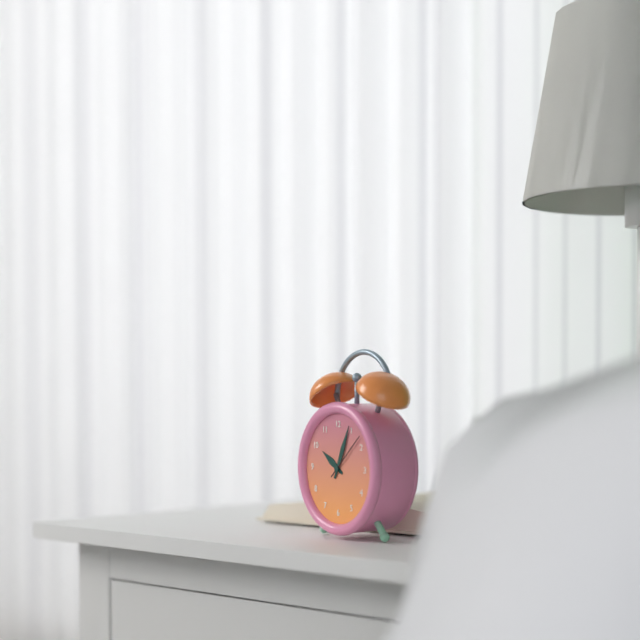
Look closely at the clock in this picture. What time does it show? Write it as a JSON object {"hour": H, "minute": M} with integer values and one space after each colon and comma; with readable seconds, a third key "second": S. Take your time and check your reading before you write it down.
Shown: {"hour": 10, "minute": 4}
